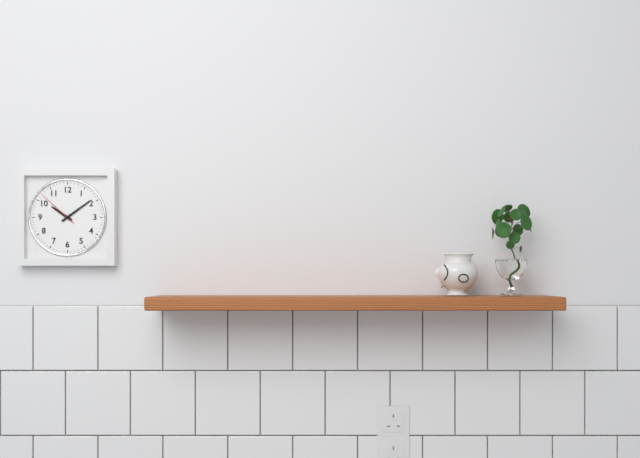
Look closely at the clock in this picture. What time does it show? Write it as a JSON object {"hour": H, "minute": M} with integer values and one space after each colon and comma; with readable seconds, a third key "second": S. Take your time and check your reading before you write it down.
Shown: {"hour": 10, "minute": 9}
